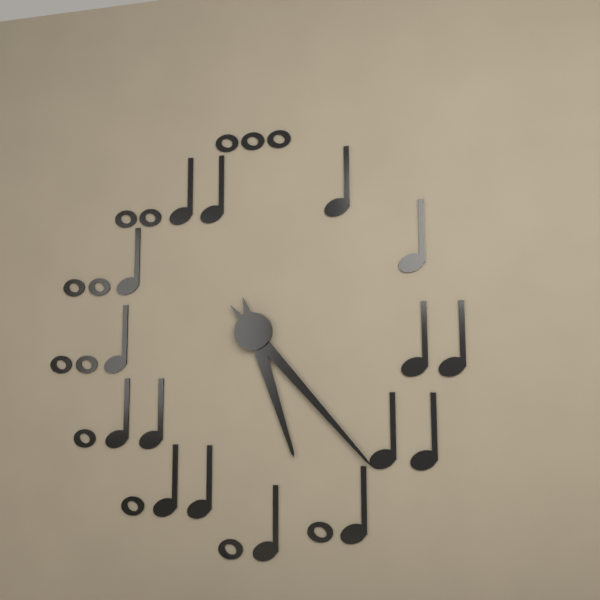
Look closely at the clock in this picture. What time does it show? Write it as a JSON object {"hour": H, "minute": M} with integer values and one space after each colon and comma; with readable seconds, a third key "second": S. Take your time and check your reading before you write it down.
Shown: {"hour": 5, "minute": 23}
